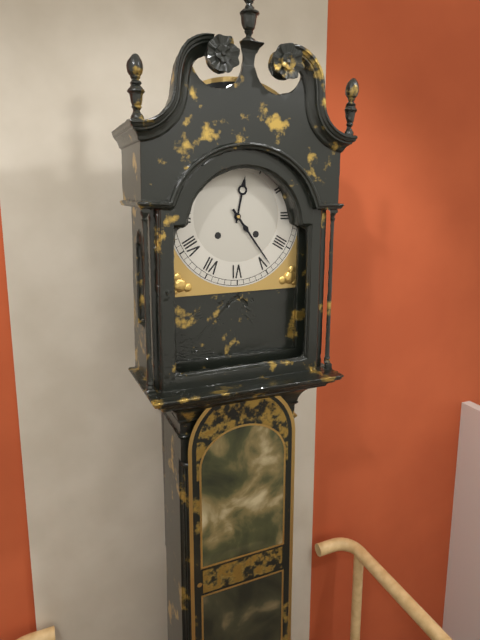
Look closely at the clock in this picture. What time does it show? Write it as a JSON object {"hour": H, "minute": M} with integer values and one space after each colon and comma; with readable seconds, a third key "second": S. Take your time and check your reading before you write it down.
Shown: {"hour": 12, "minute": 24}
